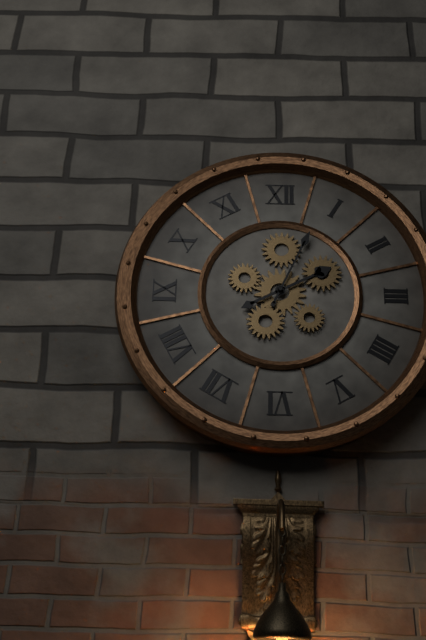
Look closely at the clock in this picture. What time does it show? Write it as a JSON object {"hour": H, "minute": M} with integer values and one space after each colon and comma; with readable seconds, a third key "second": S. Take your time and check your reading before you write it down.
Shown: {"hour": 2, "minute": 4}
